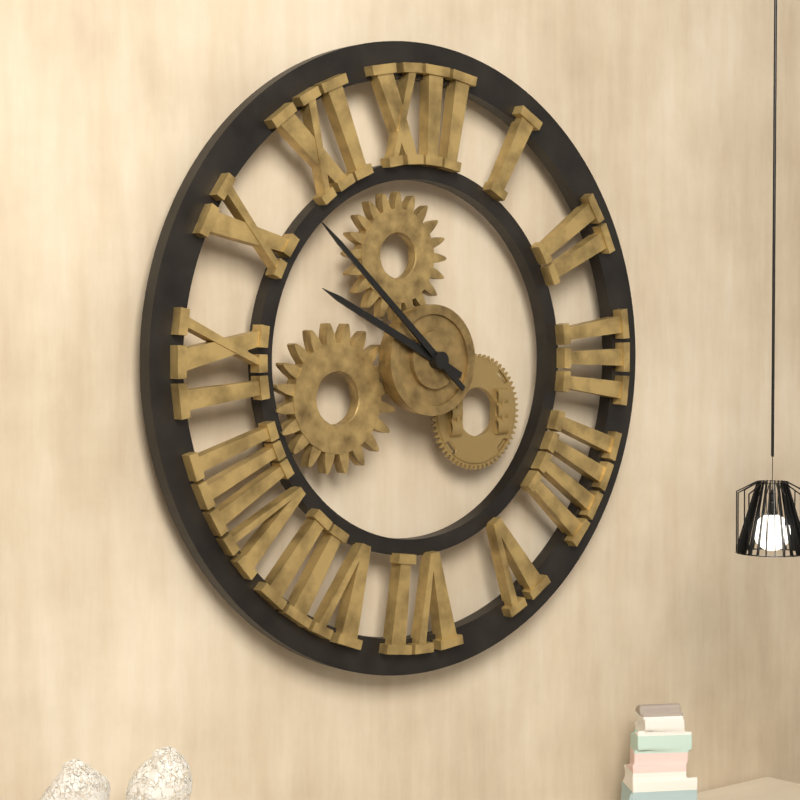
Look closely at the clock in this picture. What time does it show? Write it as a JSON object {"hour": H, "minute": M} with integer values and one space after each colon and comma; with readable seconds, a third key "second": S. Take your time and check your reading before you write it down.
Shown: {"hour": 9, "minute": 52}
